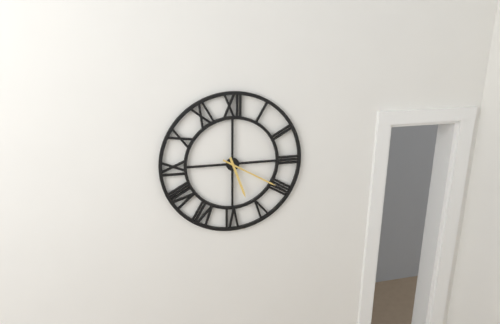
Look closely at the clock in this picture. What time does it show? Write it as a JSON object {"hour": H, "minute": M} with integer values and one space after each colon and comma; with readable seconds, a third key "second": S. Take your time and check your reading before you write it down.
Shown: {"hour": 5, "minute": 20}
